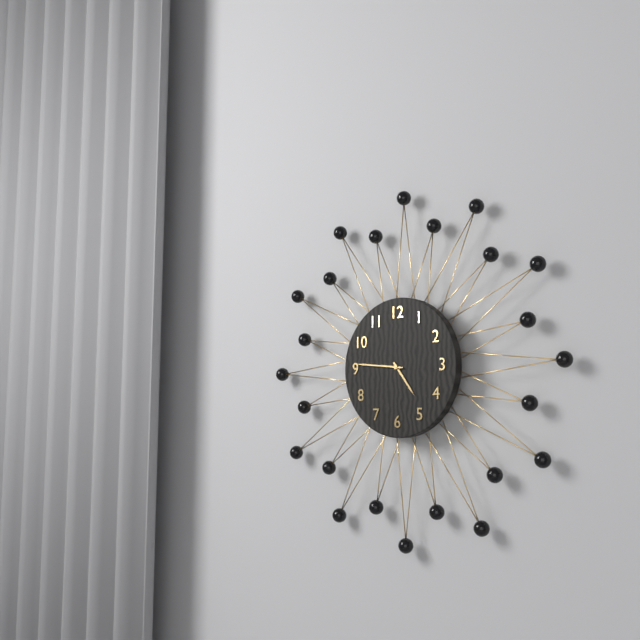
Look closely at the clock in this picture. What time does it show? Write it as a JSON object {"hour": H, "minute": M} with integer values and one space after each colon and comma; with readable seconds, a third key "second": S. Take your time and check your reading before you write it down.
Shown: {"hour": 4, "minute": 46}
